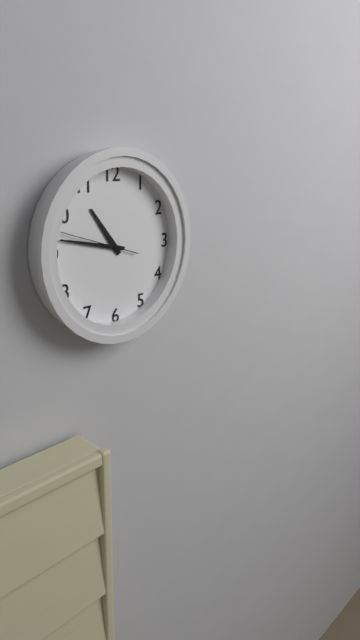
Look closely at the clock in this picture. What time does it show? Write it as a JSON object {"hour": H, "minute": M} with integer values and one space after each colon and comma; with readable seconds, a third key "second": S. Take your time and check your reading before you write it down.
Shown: {"hour": 10, "minute": 47, "second": 48}
